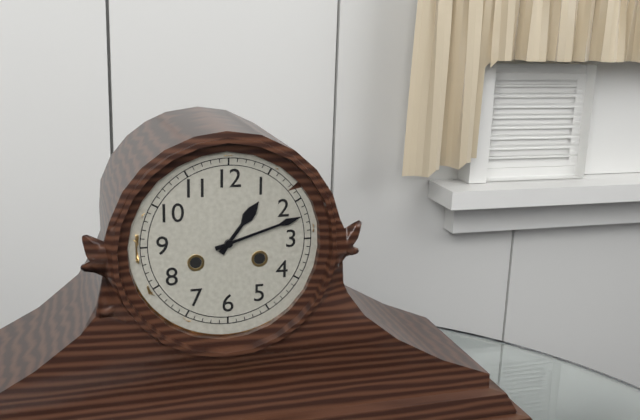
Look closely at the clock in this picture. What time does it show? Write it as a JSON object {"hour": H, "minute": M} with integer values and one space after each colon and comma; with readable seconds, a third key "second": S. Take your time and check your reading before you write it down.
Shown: {"hour": 1, "minute": 12}
